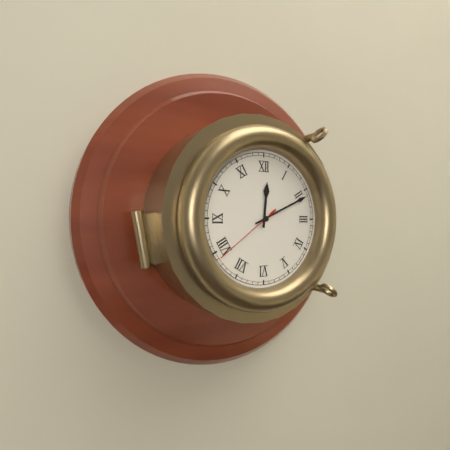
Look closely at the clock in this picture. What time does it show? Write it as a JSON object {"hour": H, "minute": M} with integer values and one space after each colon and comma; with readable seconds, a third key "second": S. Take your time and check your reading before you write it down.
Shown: {"hour": 12, "minute": 11, "second": 39}
